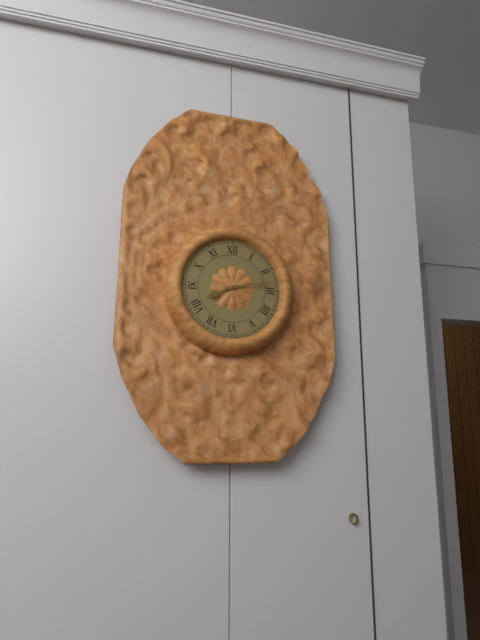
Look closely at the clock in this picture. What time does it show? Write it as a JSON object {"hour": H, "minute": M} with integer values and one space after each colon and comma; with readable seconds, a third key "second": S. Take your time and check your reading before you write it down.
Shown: {"hour": 8, "minute": 13}
